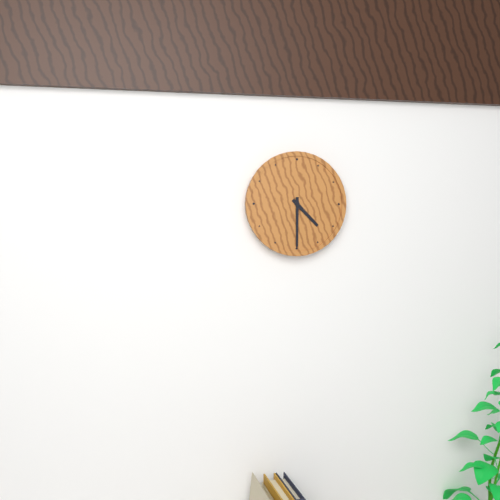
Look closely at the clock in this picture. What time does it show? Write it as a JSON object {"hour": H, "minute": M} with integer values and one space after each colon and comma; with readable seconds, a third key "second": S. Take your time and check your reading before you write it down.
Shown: {"hour": 4, "minute": 30}
